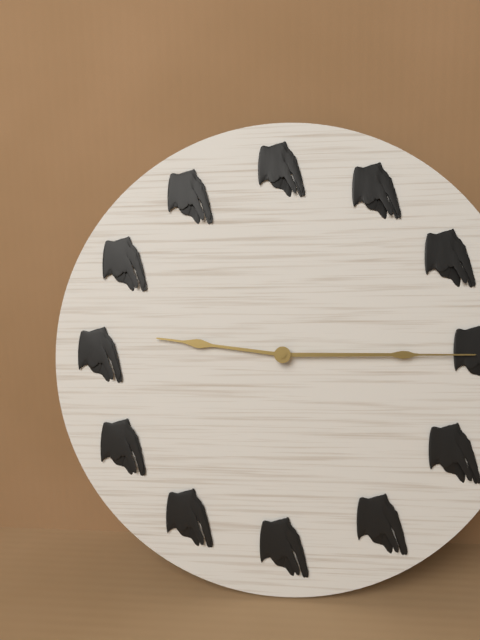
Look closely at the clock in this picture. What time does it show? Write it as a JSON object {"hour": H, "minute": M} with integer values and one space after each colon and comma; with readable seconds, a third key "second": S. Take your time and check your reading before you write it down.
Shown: {"hour": 9, "minute": 15}
